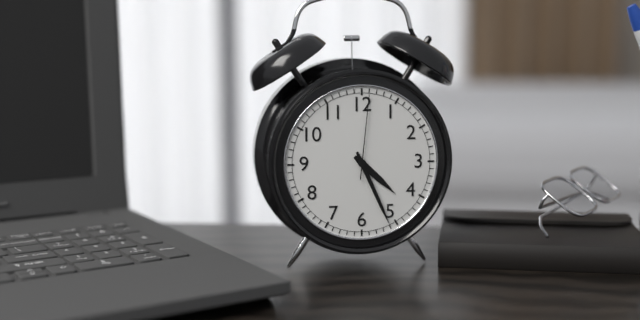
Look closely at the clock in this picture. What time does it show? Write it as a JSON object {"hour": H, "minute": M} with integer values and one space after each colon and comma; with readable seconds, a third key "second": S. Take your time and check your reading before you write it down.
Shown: {"hour": 4, "minute": 26, "second": 1}
